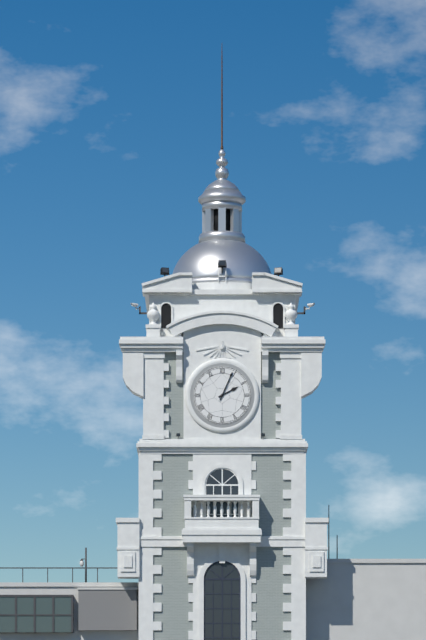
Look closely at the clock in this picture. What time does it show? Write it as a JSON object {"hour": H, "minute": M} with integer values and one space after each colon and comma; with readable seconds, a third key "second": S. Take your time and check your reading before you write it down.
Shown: {"hour": 2, "minute": 4}
